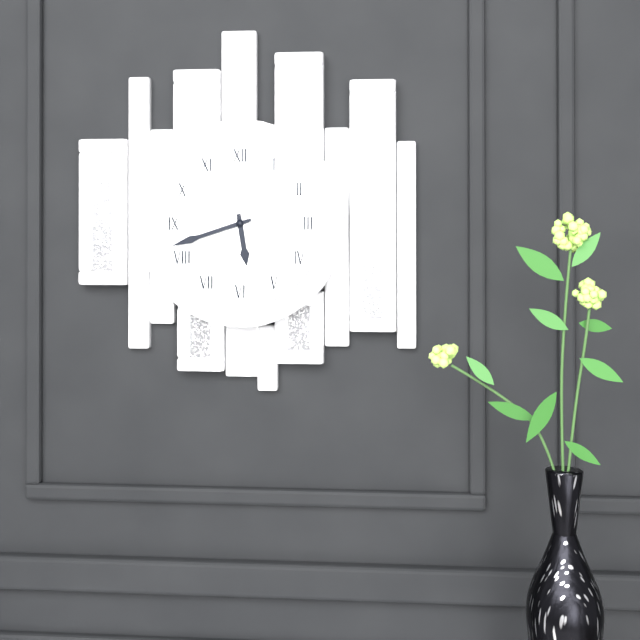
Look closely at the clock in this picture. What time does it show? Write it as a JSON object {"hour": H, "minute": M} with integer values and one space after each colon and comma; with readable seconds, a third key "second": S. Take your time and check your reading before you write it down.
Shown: {"hour": 5, "minute": 42}
